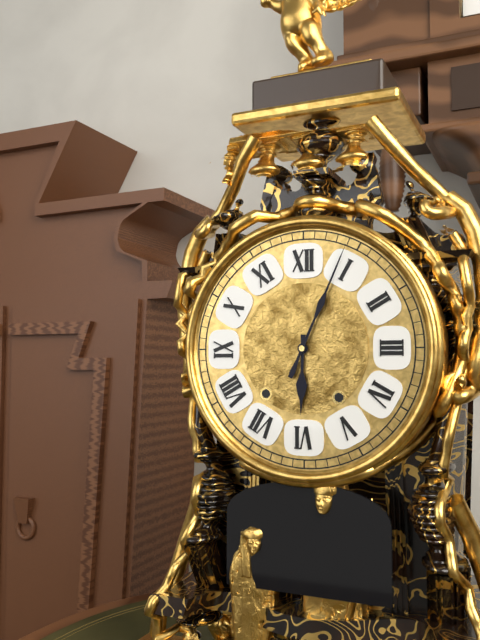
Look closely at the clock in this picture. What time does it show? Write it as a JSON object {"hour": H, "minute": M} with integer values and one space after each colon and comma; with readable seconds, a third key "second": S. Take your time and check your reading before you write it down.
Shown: {"hour": 6, "minute": 4}
